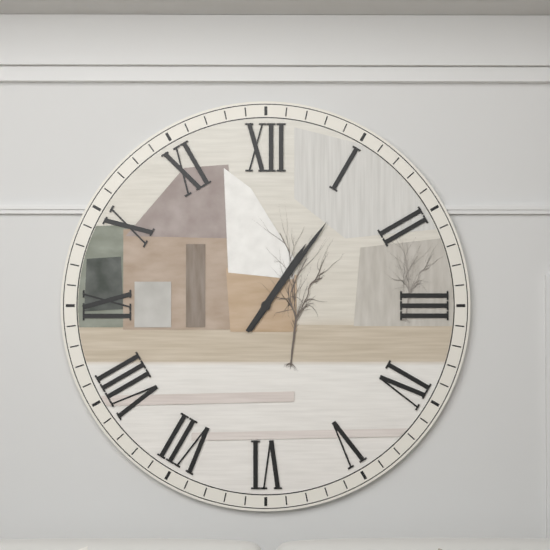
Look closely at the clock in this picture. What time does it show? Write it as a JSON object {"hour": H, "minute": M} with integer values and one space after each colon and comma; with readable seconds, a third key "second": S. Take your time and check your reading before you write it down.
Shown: {"hour": 1, "minute": 6}
